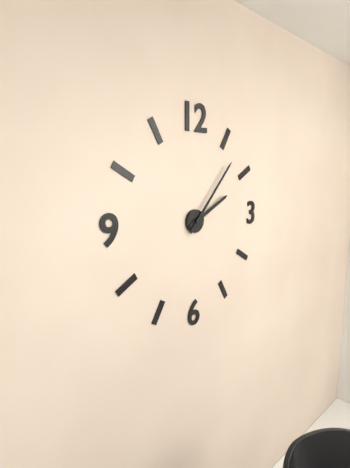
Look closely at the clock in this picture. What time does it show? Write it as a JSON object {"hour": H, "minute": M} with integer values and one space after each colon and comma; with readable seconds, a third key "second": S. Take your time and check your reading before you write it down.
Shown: {"hour": 2, "minute": 7}
